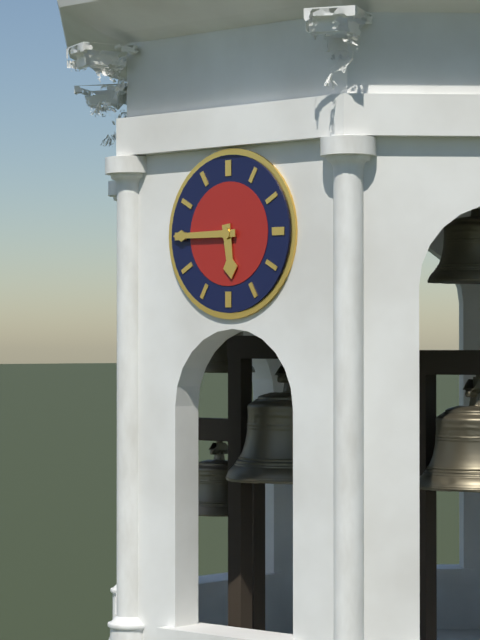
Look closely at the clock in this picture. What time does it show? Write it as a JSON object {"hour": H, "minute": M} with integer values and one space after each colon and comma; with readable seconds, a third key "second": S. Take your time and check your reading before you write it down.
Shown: {"hour": 5, "minute": 45}
